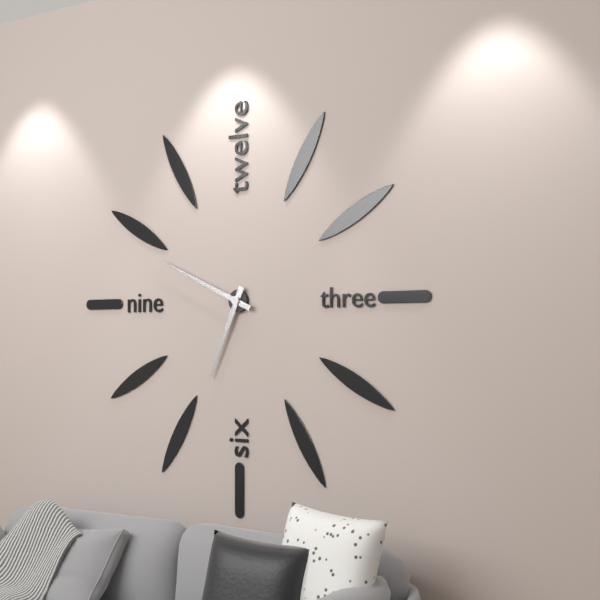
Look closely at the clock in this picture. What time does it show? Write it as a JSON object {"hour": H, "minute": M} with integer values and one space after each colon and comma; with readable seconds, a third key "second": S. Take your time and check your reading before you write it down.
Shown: {"hour": 6, "minute": 49}
